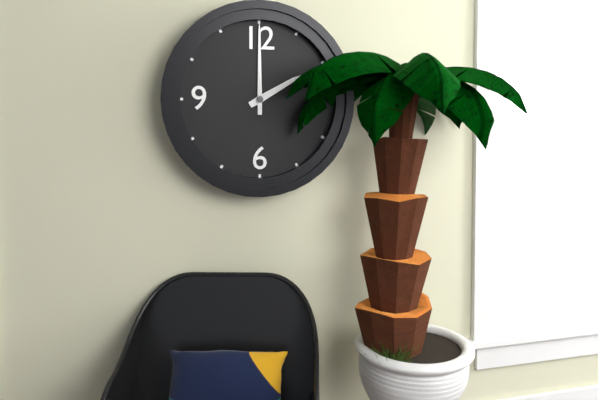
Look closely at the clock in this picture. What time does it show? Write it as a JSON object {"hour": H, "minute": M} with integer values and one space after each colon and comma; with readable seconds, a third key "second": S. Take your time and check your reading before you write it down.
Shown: {"hour": 2, "minute": 0}
